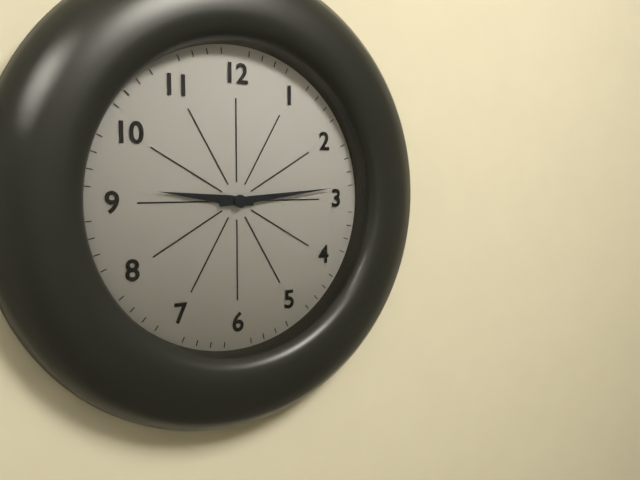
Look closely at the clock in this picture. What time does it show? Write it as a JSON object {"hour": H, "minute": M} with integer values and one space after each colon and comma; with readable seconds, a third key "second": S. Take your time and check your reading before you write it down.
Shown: {"hour": 9, "minute": 14}
